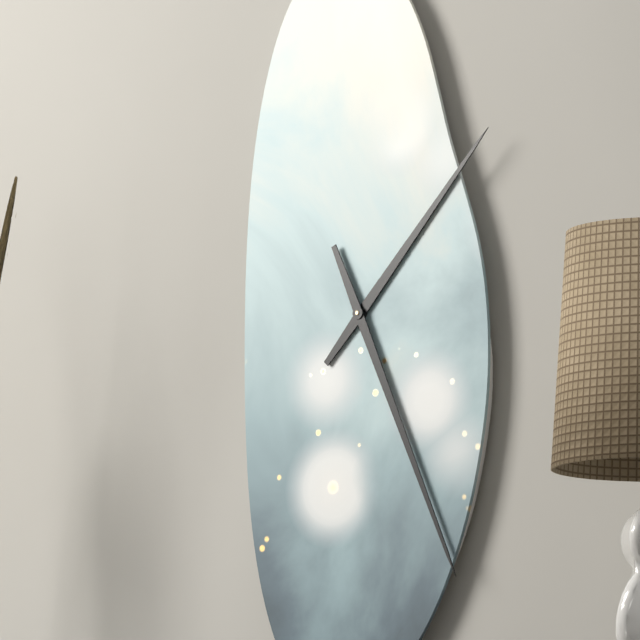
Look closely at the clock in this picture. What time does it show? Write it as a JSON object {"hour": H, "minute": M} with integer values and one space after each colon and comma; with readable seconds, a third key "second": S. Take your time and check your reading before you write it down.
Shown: {"hour": 1, "minute": 26}
